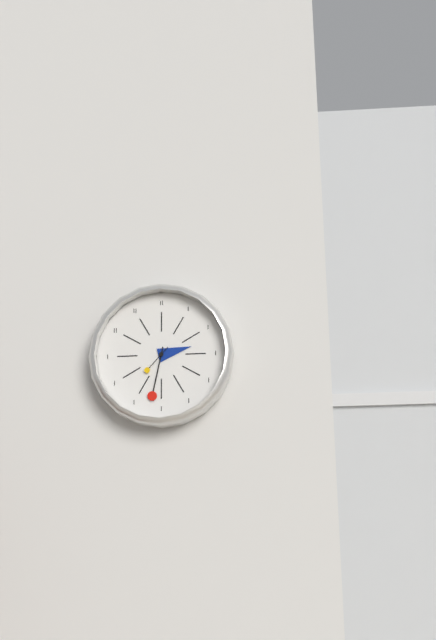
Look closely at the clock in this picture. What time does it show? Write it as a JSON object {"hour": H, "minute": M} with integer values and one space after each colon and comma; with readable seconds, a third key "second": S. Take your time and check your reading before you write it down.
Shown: {"hour": 2, "minute": 32}
